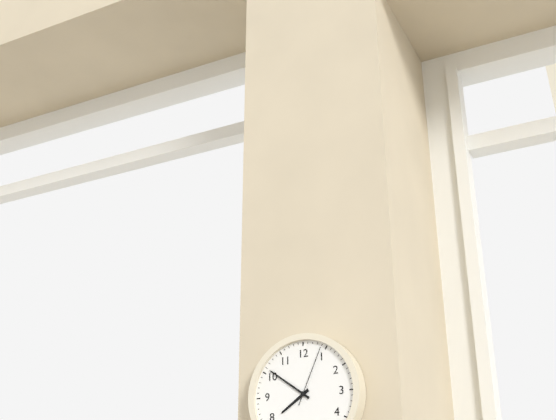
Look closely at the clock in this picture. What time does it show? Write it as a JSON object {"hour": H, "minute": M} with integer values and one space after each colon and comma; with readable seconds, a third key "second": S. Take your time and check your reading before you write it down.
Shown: {"hour": 7, "minute": 51, "second": 4}
